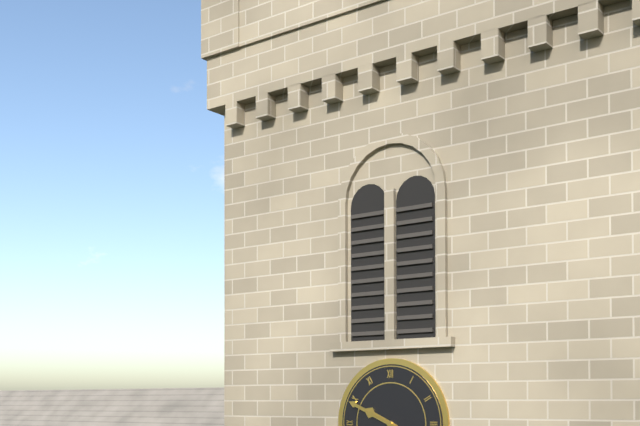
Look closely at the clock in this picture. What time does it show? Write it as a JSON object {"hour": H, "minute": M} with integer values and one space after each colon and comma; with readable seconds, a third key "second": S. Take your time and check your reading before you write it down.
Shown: {"hour": 9, "minute": 49}
